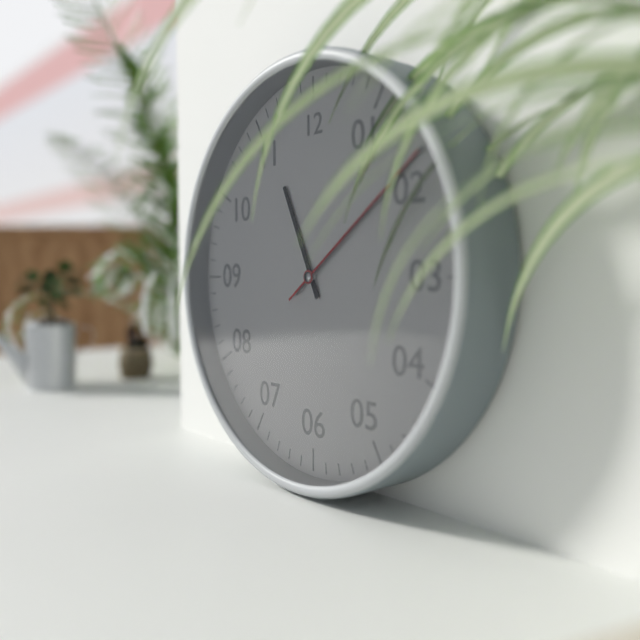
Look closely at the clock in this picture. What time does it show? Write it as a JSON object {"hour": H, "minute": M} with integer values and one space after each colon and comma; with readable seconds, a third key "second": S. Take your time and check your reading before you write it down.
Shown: {"hour": 11, "minute": 9, "second": 9}
